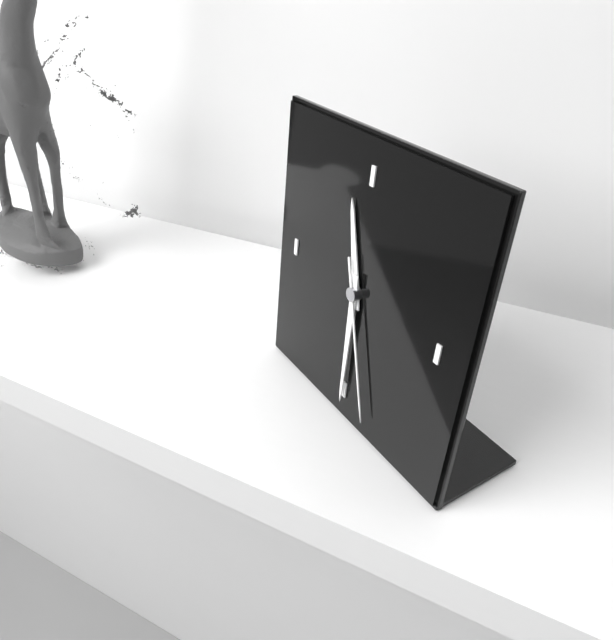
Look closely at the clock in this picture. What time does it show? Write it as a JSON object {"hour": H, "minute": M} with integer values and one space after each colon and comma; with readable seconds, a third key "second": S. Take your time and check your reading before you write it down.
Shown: {"hour": 11, "minute": 30, "second": 27}
